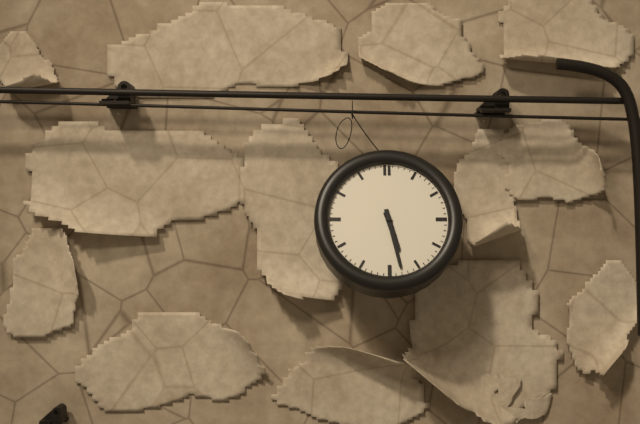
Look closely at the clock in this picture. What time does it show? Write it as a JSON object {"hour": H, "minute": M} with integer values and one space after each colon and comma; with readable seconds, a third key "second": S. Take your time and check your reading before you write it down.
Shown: {"hour": 5, "minute": 28}
